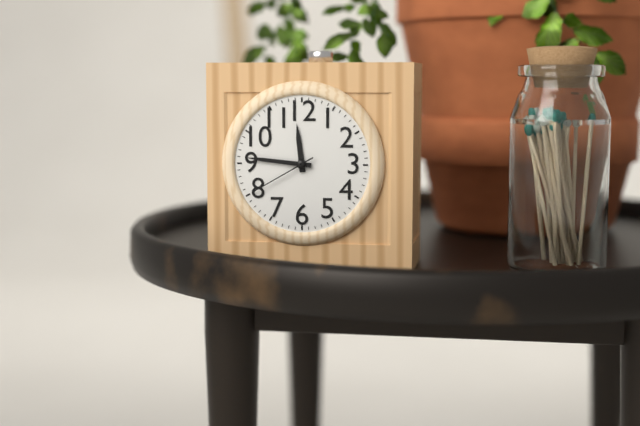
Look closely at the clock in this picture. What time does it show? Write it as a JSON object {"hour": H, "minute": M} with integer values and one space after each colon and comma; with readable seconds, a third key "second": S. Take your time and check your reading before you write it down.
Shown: {"hour": 11, "minute": 46, "second": 40}
